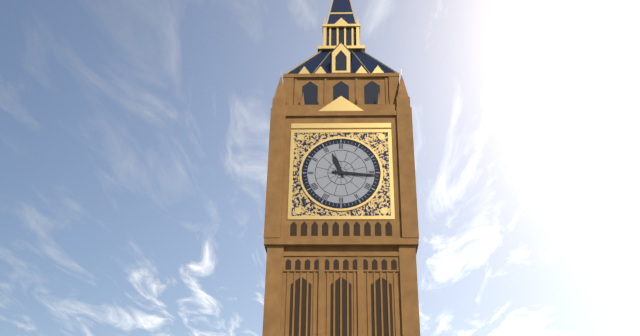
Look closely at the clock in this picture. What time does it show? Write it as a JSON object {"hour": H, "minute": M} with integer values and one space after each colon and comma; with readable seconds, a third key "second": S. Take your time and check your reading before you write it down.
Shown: {"hour": 11, "minute": 16}
